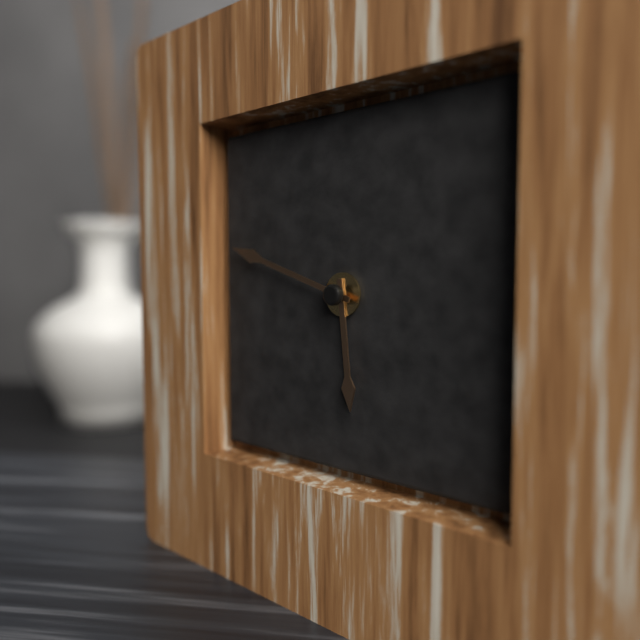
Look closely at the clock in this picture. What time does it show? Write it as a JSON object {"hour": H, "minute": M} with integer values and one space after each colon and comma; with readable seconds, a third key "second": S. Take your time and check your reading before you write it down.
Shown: {"hour": 5, "minute": 48}
